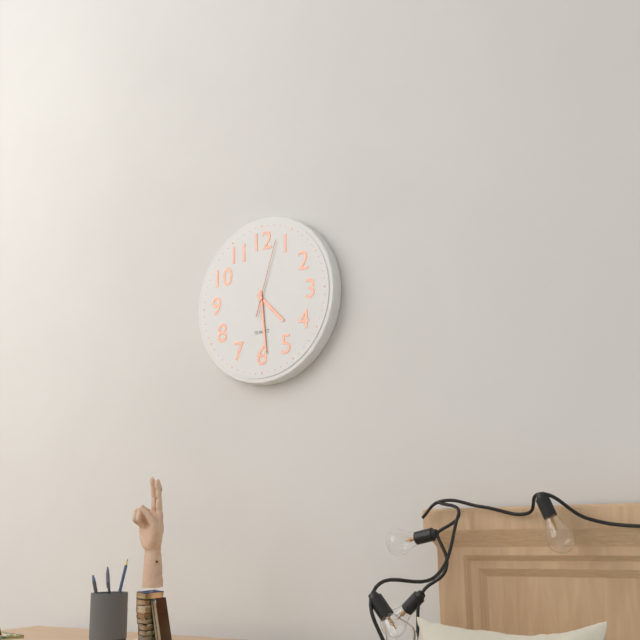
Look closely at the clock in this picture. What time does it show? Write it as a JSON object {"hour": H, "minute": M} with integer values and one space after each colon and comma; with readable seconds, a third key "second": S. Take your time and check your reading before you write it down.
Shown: {"hour": 4, "minute": 29, "second": 3}
